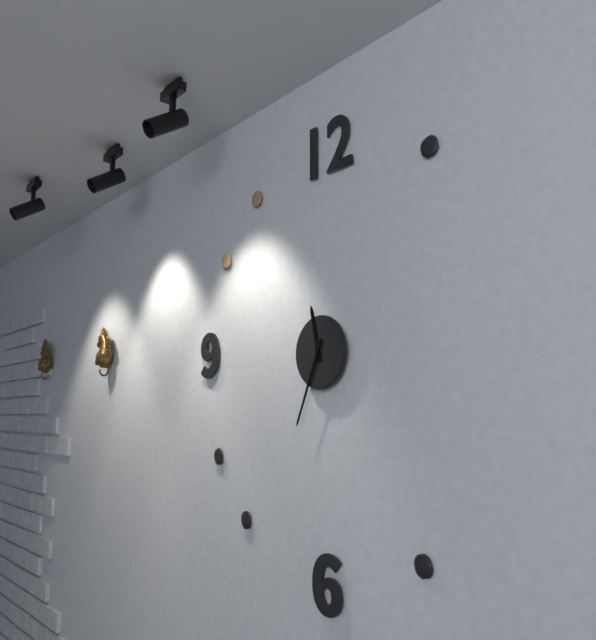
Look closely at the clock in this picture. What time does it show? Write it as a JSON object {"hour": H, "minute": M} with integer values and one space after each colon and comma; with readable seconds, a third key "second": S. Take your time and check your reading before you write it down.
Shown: {"hour": 11, "minute": 34}
